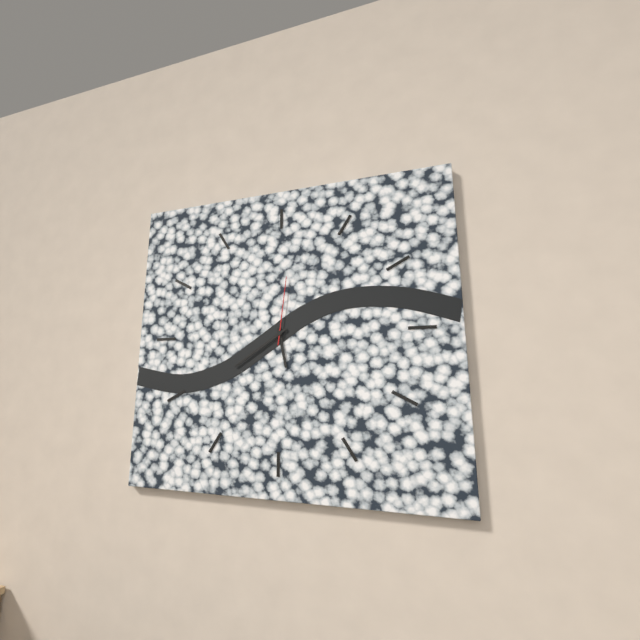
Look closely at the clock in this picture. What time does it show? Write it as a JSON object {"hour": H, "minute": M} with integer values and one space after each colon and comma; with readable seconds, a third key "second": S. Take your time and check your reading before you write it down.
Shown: {"hour": 5, "minute": 39, "second": 1}
